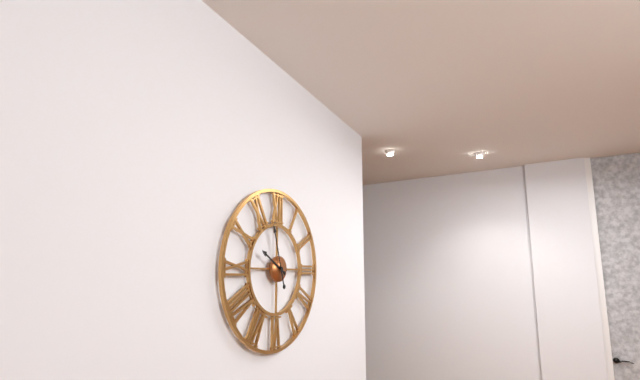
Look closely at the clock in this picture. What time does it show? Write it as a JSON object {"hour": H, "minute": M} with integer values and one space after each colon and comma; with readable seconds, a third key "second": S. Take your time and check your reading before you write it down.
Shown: {"hour": 9, "minute": 57}
